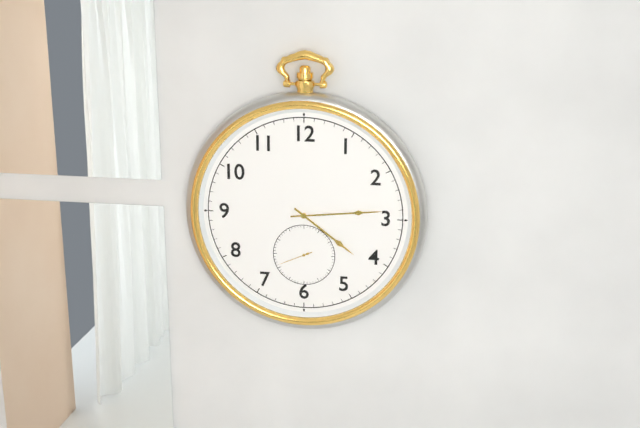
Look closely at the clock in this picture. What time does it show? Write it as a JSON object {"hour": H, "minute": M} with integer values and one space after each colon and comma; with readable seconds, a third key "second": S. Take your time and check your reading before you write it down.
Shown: {"hour": 4, "minute": 14}
